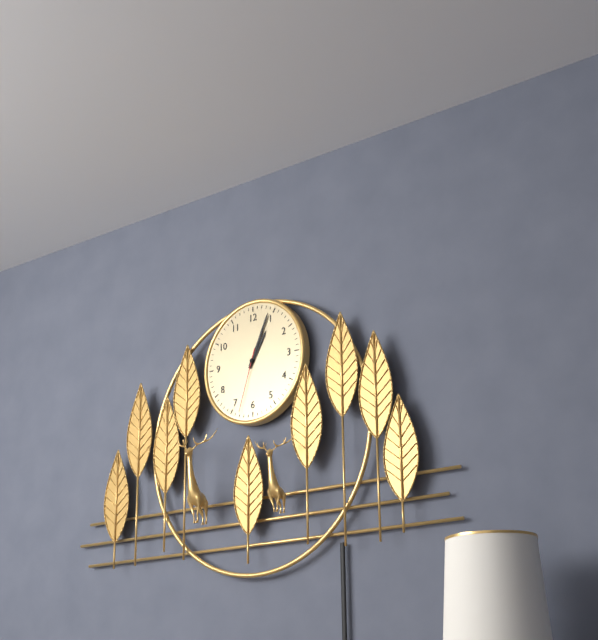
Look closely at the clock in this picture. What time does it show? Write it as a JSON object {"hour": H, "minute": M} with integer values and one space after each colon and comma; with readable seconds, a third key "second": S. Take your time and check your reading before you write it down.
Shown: {"hour": 1, "minute": 4, "second": 33}
